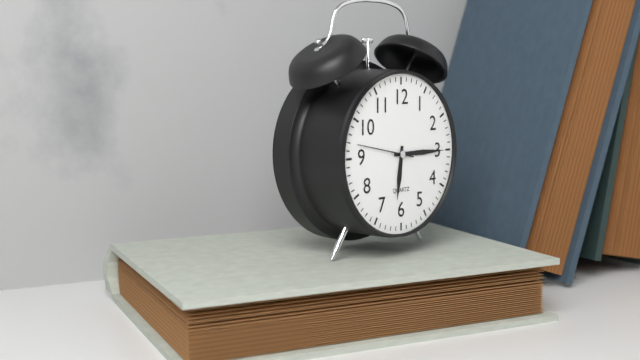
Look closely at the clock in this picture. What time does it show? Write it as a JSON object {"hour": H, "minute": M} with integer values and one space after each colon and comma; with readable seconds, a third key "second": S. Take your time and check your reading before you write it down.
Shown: {"hour": 6, "minute": 15, "second": 47}
